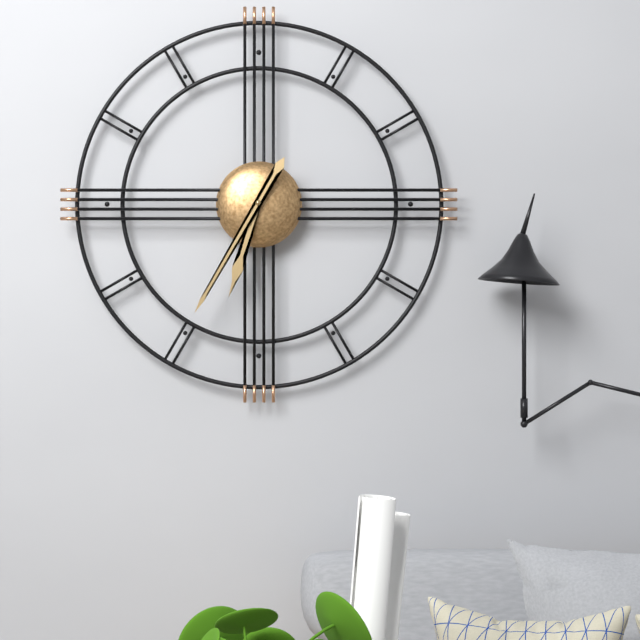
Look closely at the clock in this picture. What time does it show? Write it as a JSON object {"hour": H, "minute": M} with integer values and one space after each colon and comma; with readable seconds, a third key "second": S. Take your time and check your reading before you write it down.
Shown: {"hour": 6, "minute": 35}
